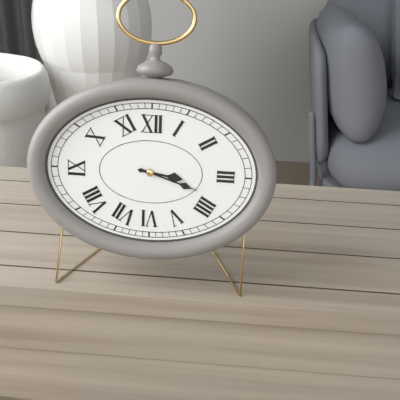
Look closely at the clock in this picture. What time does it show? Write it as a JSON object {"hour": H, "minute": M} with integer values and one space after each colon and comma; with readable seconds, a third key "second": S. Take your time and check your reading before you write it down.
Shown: {"hour": 3, "minute": 18}
